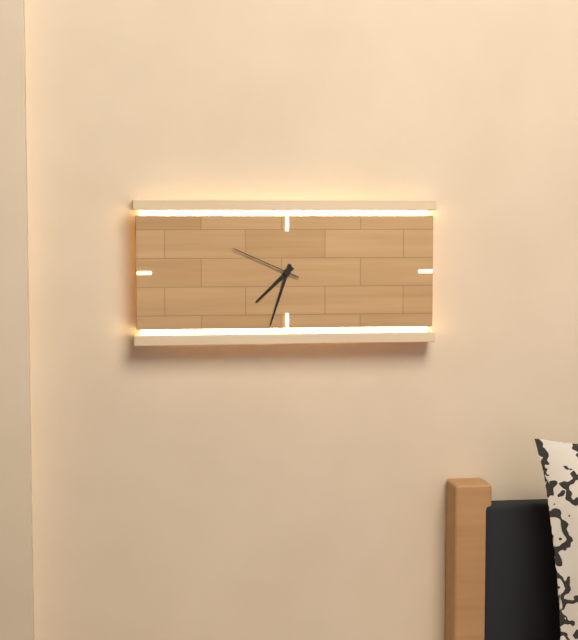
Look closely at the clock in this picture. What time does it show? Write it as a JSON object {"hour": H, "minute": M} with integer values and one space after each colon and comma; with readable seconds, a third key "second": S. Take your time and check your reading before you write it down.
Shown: {"hour": 7, "minute": 33, "second": 49}
